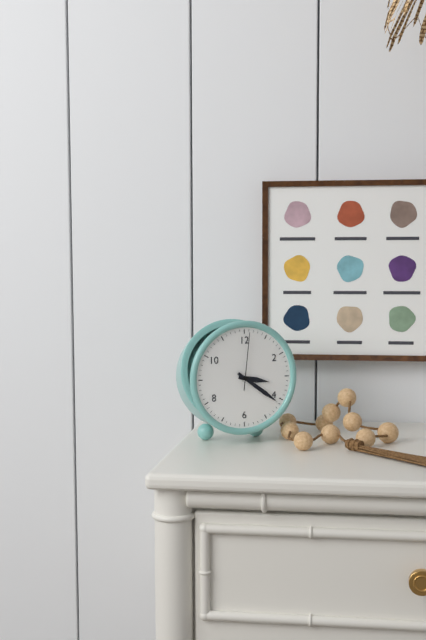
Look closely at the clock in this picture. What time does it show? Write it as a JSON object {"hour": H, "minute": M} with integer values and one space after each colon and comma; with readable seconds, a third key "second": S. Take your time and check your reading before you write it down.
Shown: {"hour": 3, "minute": 21, "second": 1}
